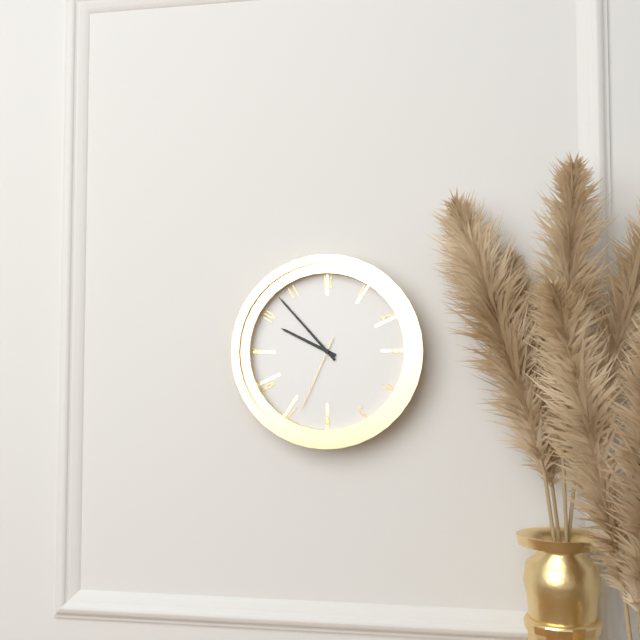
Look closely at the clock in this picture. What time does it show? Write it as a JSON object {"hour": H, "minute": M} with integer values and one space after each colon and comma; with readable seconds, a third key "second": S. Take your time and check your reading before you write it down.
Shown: {"hour": 9, "minute": 53, "second": 34}
